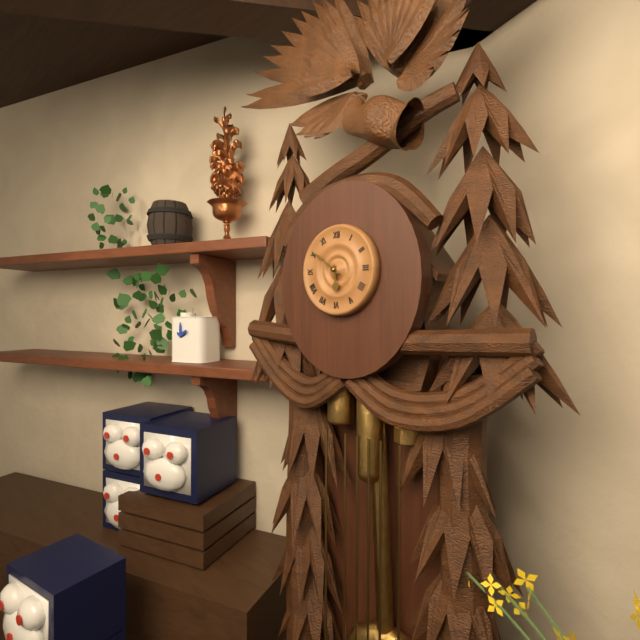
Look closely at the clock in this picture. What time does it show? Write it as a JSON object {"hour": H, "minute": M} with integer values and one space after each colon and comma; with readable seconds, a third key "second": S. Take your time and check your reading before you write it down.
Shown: {"hour": 5, "minute": 51}
